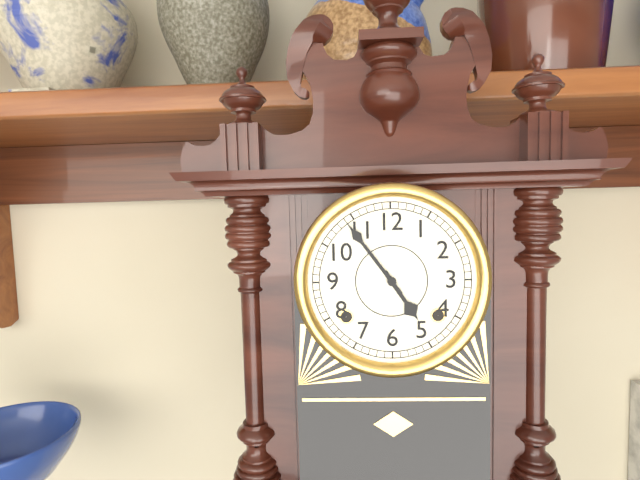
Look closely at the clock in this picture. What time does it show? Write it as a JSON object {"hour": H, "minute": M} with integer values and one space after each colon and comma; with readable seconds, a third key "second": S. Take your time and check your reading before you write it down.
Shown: {"hour": 4, "minute": 54}
